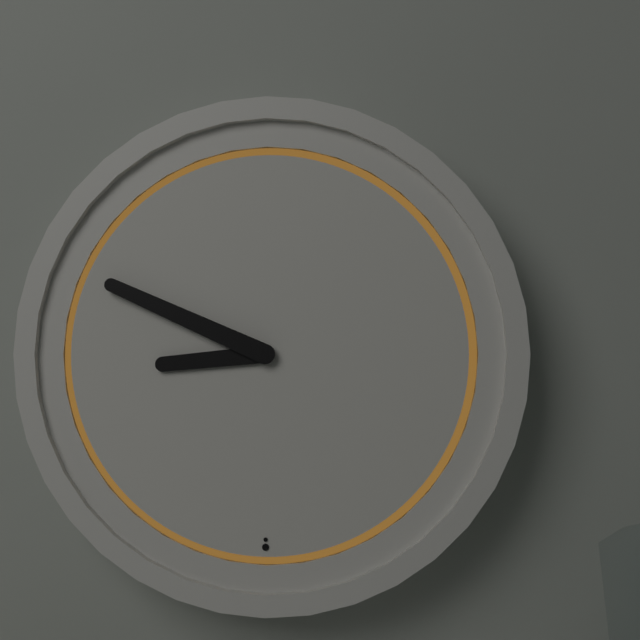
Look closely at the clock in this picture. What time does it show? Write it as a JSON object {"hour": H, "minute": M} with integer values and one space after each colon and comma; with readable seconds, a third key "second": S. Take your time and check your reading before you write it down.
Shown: {"hour": 8, "minute": 49}
